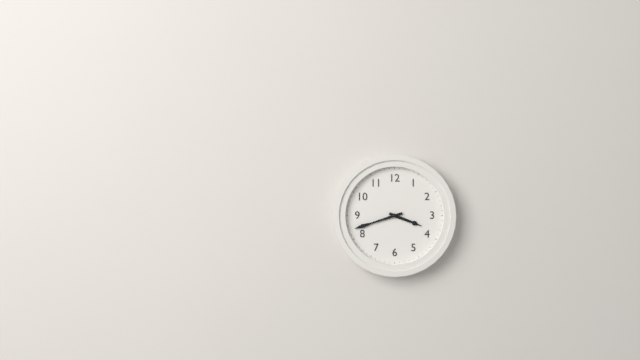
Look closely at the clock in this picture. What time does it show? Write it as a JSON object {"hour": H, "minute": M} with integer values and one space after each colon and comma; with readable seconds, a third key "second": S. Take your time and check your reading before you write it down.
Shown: {"hour": 3, "minute": 42}
